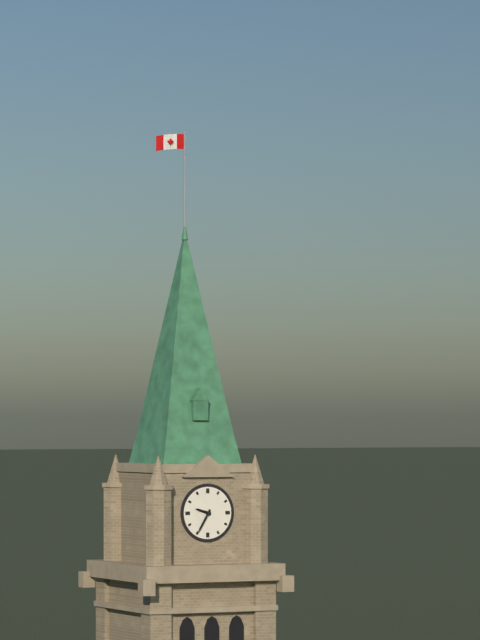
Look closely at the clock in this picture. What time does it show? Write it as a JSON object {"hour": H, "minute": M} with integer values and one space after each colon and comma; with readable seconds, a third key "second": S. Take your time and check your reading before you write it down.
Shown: {"hour": 9, "minute": 35}
